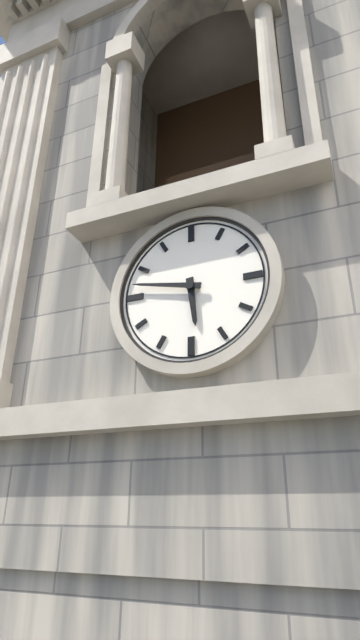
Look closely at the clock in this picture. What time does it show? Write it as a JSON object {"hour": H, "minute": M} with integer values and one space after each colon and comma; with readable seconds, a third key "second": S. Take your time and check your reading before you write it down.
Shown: {"hour": 5, "minute": 47}
